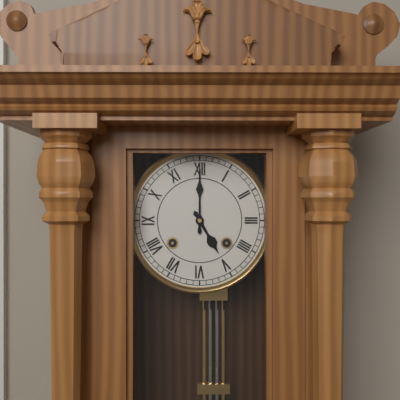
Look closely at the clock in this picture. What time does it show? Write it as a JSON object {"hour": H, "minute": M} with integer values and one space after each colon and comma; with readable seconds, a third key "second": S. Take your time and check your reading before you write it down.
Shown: {"hour": 5, "minute": 0}
